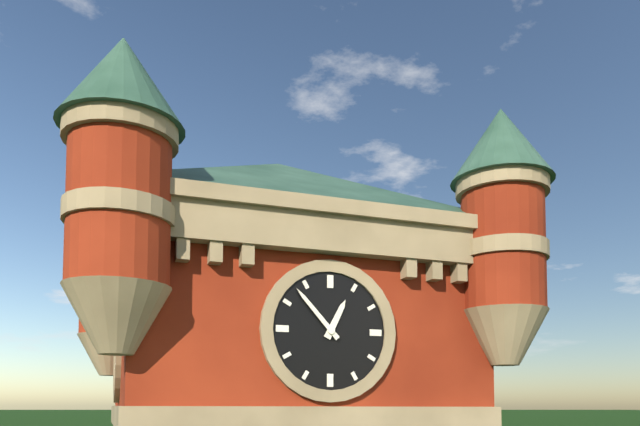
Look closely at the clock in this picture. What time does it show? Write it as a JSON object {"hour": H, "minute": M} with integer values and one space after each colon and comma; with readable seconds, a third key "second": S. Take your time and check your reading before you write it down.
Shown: {"hour": 12, "minute": 53}
